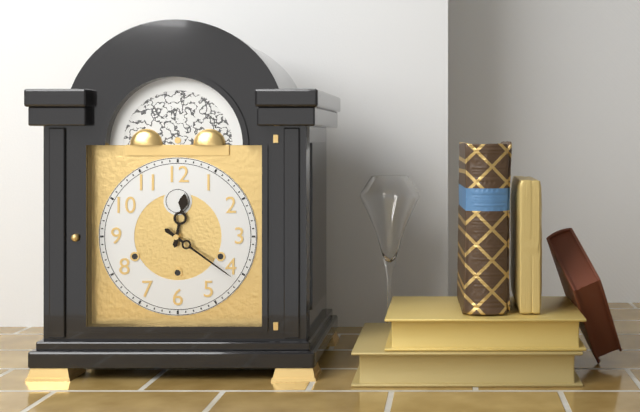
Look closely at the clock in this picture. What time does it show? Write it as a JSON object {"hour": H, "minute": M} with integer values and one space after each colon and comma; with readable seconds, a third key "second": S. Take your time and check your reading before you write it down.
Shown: {"hour": 12, "minute": 21}
